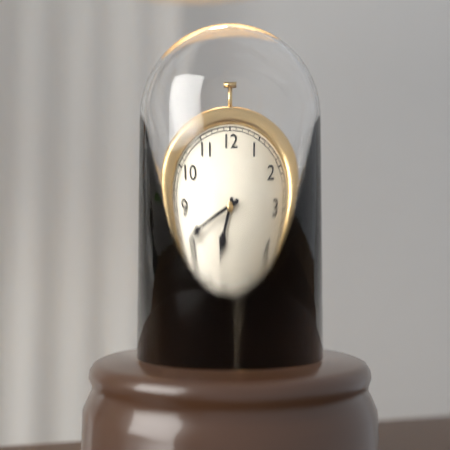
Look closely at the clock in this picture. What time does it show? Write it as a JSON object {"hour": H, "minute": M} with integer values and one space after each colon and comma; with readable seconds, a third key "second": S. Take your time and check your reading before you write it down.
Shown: {"hour": 6, "minute": 41}
